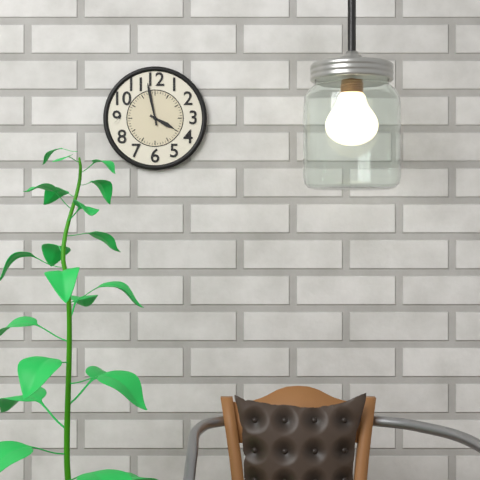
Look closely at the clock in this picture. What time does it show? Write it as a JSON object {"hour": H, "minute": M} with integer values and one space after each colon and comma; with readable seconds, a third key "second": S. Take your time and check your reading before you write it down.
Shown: {"hour": 3, "minute": 58}
